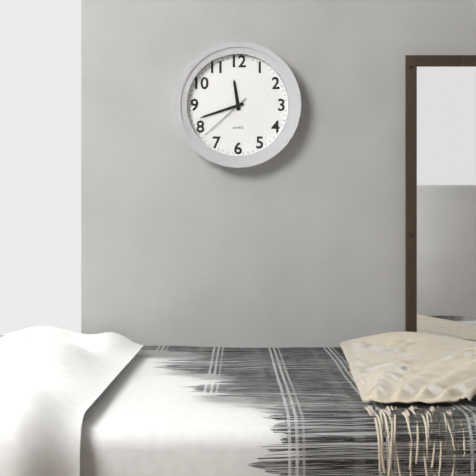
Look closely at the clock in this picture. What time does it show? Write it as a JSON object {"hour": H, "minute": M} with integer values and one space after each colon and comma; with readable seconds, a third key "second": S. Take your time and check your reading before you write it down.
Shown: {"hour": 11, "minute": 42, "second": 38}
